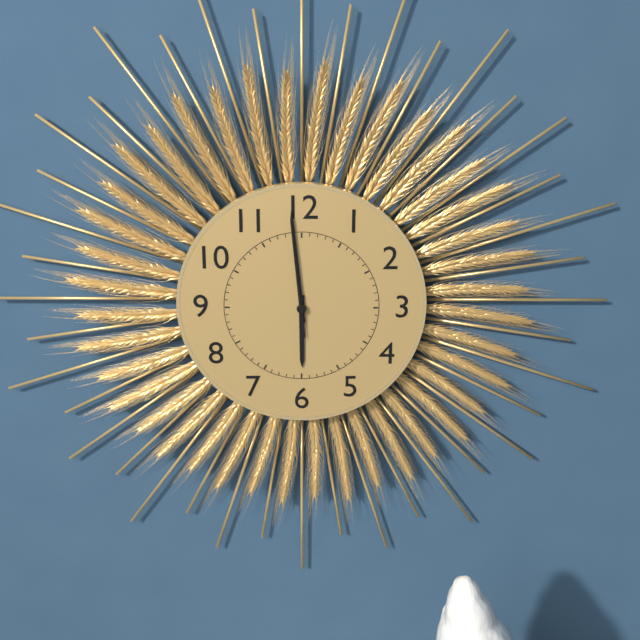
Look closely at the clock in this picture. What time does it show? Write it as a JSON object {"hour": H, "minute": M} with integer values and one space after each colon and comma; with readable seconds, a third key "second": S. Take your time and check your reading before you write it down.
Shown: {"hour": 5, "minute": 59, "second": 59}
